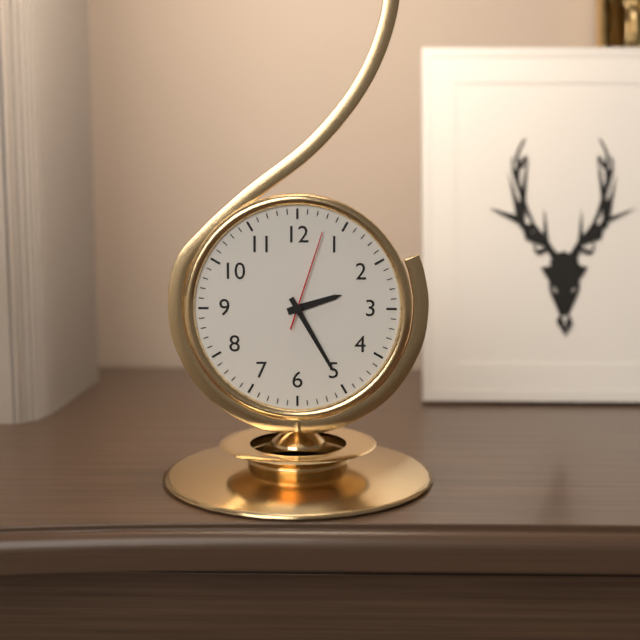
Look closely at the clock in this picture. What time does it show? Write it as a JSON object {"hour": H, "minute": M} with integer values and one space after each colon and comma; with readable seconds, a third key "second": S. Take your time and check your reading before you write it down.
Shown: {"hour": 2, "minute": 25, "second": 3}
